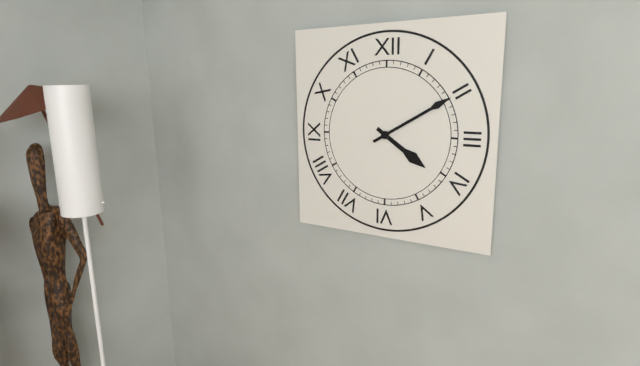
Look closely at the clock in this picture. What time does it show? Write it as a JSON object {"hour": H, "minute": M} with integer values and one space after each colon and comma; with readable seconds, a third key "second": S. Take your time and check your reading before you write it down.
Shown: {"hour": 4, "minute": 10}
